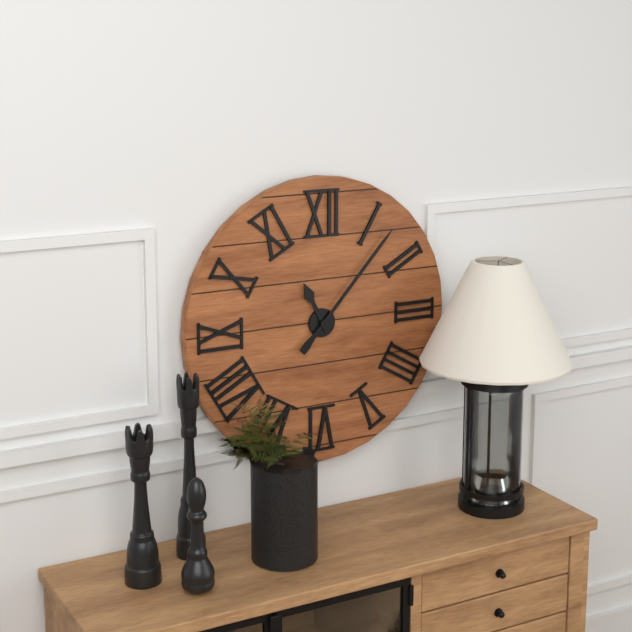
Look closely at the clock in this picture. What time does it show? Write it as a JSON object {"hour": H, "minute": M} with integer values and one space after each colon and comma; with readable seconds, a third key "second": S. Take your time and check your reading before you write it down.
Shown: {"hour": 11, "minute": 7}
